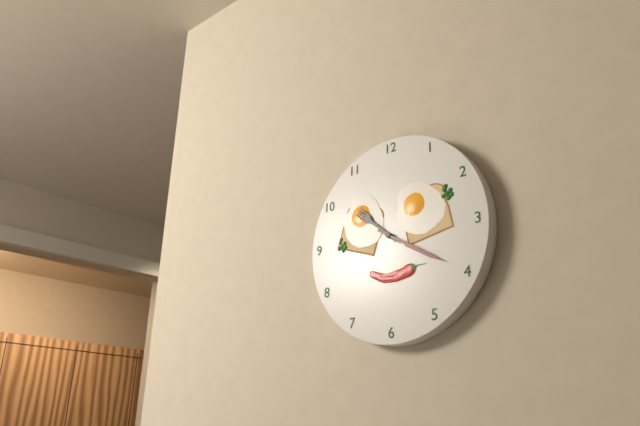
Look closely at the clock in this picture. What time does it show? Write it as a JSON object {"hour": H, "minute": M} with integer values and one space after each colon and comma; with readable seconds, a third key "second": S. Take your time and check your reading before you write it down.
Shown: {"hour": 10, "minute": 20}
